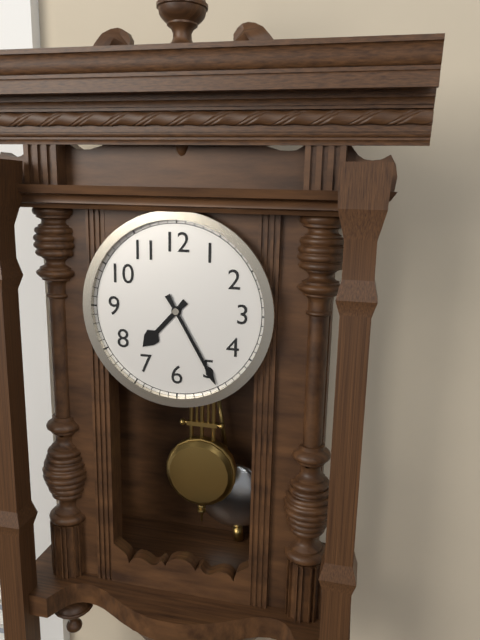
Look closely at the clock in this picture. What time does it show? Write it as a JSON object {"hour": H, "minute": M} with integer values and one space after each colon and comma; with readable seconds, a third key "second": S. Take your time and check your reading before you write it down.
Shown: {"hour": 7, "minute": 25}
